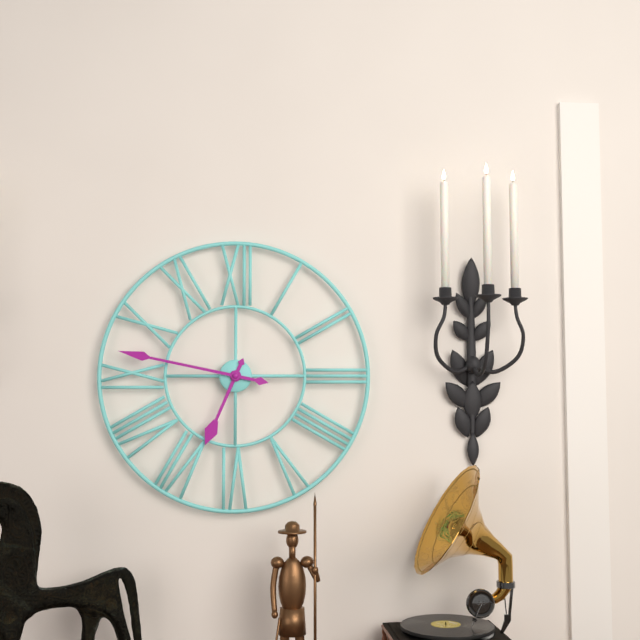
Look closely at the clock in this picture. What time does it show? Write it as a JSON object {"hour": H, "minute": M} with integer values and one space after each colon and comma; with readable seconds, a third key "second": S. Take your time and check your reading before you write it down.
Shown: {"hour": 6, "minute": 47}
